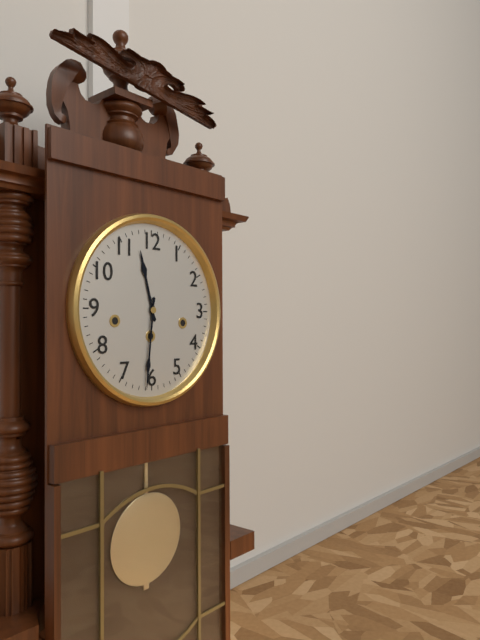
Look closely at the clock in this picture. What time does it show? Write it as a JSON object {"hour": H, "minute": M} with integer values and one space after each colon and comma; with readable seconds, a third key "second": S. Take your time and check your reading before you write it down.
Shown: {"hour": 11, "minute": 31}
